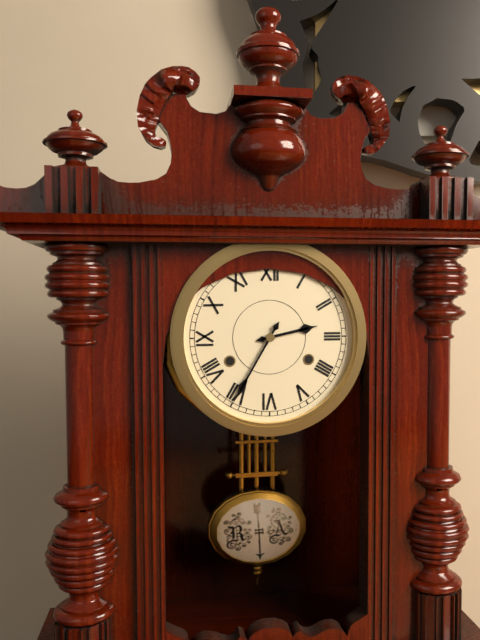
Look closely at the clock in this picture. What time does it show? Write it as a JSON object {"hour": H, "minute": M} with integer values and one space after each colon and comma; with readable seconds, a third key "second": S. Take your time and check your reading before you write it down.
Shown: {"hour": 2, "minute": 35}
